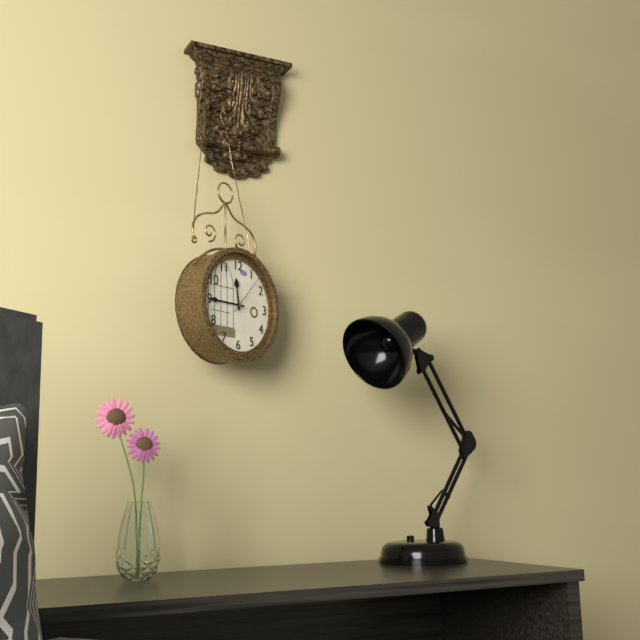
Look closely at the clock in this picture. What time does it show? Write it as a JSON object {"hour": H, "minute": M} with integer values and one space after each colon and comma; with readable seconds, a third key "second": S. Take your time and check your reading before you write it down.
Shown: {"hour": 11, "minute": 45, "second": 7}
